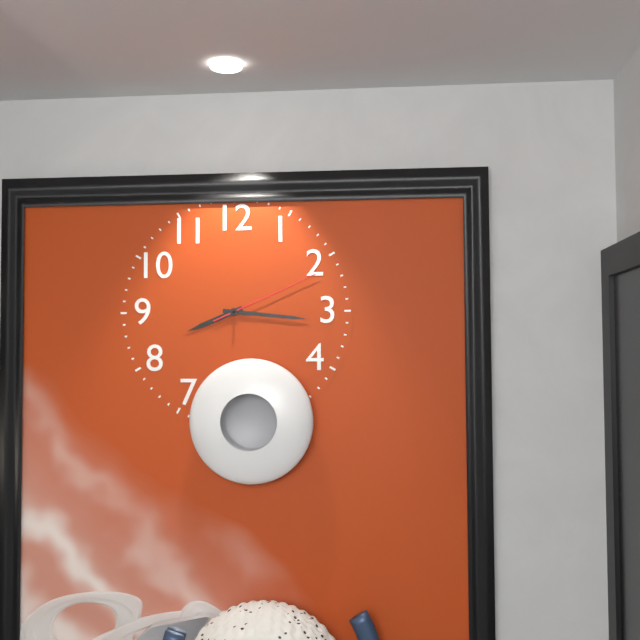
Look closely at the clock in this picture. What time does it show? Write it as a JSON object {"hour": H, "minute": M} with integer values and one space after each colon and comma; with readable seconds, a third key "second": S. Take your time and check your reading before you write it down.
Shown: {"hour": 8, "minute": 16, "second": 11}
